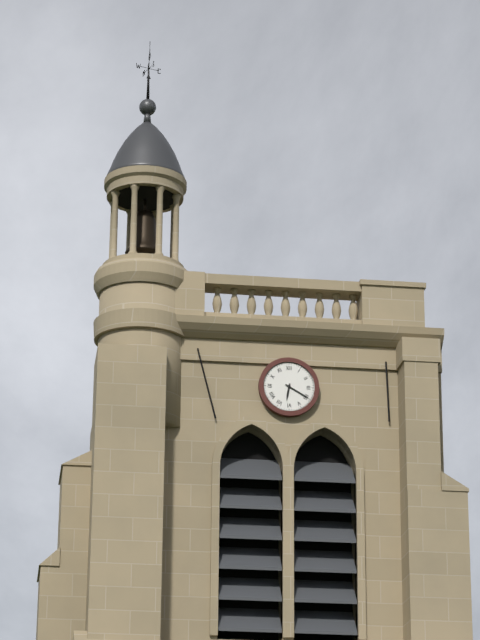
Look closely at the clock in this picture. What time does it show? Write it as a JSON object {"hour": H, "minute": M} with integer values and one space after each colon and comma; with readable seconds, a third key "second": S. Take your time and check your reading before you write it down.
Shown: {"hour": 6, "minute": 20}
